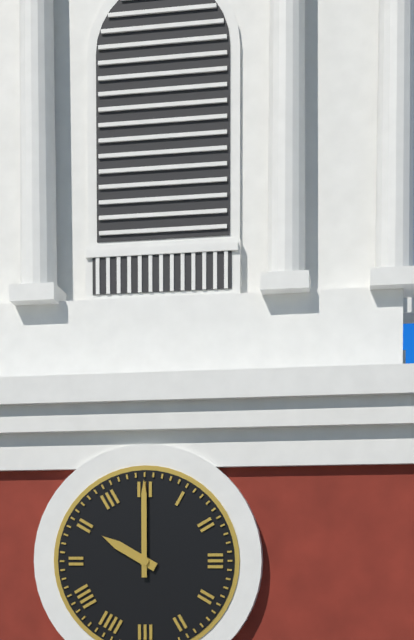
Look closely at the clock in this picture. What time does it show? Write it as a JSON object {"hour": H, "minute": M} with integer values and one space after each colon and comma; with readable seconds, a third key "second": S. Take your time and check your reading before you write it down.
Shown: {"hour": 10, "minute": 0}
